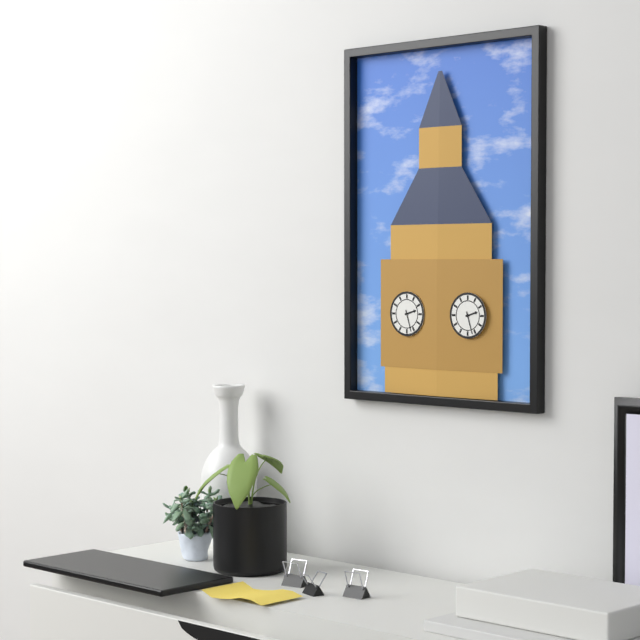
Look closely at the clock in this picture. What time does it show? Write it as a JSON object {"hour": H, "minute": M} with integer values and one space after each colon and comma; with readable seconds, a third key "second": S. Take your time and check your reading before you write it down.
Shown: {"hour": 2, "minute": 27}
